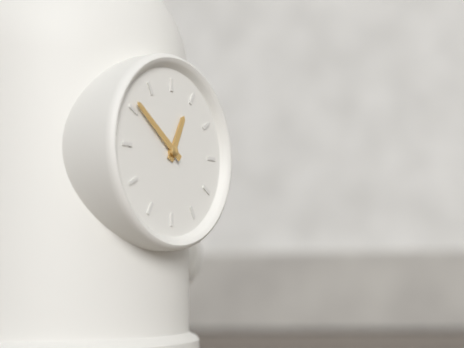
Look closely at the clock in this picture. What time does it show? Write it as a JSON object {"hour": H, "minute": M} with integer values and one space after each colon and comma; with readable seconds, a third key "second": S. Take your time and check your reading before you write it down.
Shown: {"hour": 12, "minute": 51}
